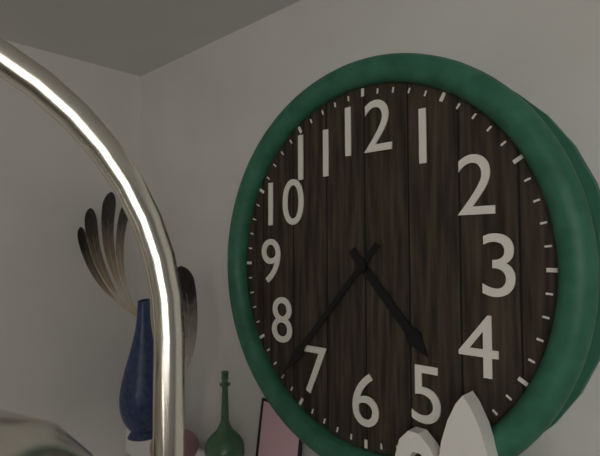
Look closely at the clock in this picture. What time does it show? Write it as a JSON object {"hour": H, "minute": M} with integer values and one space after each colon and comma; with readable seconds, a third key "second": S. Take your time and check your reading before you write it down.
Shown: {"hour": 4, "minute": 37}
